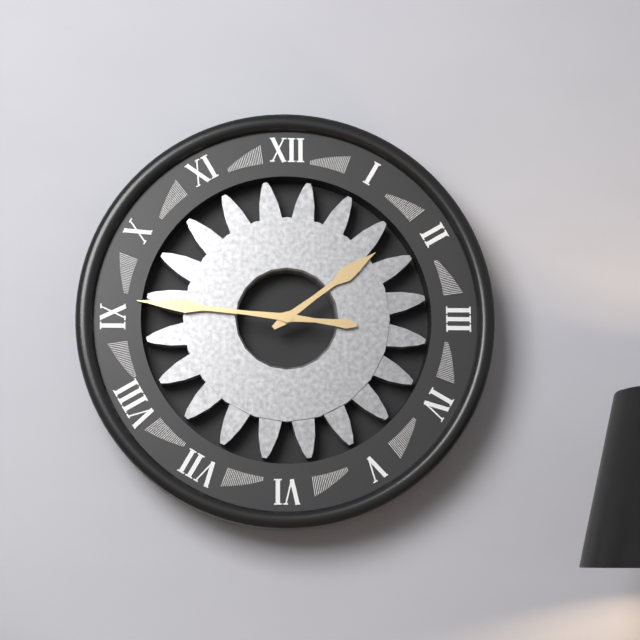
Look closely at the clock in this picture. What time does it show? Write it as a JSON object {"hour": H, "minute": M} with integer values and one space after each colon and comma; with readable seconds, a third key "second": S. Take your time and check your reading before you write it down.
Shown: {"hour": 1, "minute": 46}
